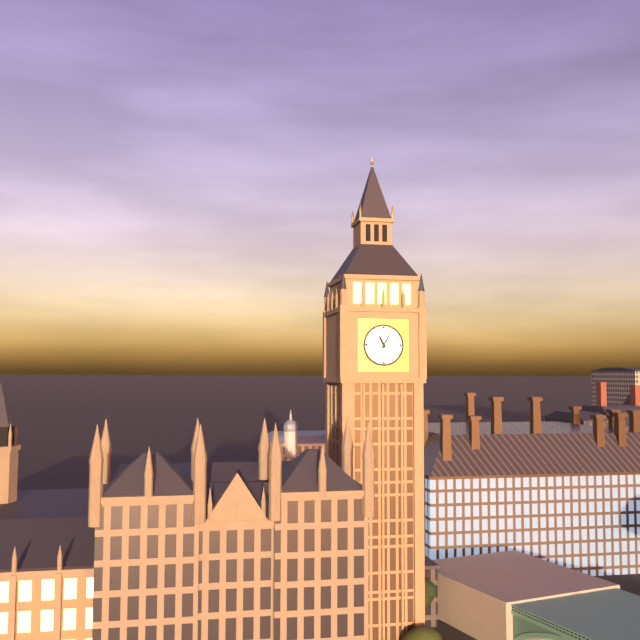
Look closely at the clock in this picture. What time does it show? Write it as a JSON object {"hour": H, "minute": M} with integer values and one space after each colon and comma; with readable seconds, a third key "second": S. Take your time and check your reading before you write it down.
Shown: {"hour": 11, "minute": 5}
